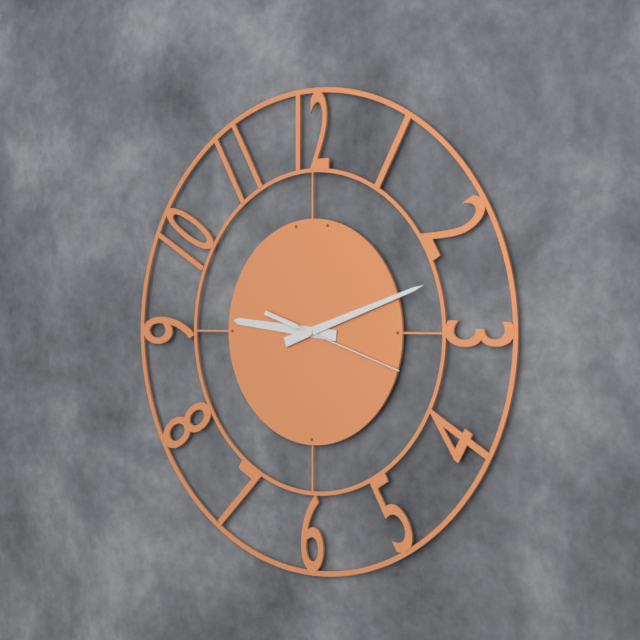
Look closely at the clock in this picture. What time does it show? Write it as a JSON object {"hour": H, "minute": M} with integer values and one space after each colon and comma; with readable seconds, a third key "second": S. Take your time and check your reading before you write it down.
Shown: {"hour": 9, "minute": 12, "second": 18}
